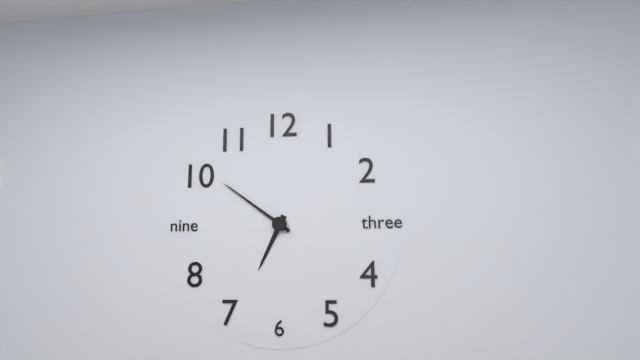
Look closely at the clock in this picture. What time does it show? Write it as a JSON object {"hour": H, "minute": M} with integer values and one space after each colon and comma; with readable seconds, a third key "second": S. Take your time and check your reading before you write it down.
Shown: {"hour": 6, "minute": 51}
